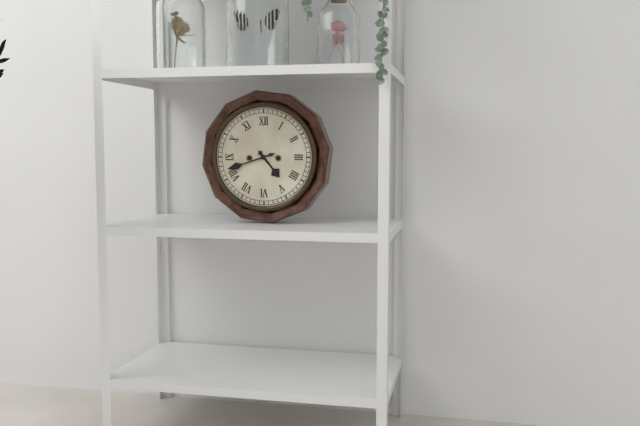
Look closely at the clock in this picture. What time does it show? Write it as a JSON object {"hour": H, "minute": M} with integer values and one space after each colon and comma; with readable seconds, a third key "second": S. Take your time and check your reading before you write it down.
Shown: {"hour": 4, "minute": 42}
